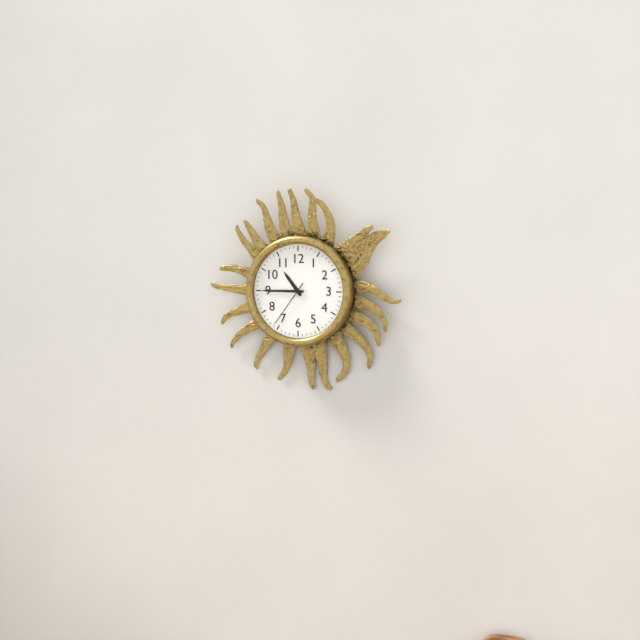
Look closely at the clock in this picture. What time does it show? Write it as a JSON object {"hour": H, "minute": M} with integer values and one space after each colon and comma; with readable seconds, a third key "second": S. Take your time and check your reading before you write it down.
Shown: {"hour": 10, "minute": 45}
